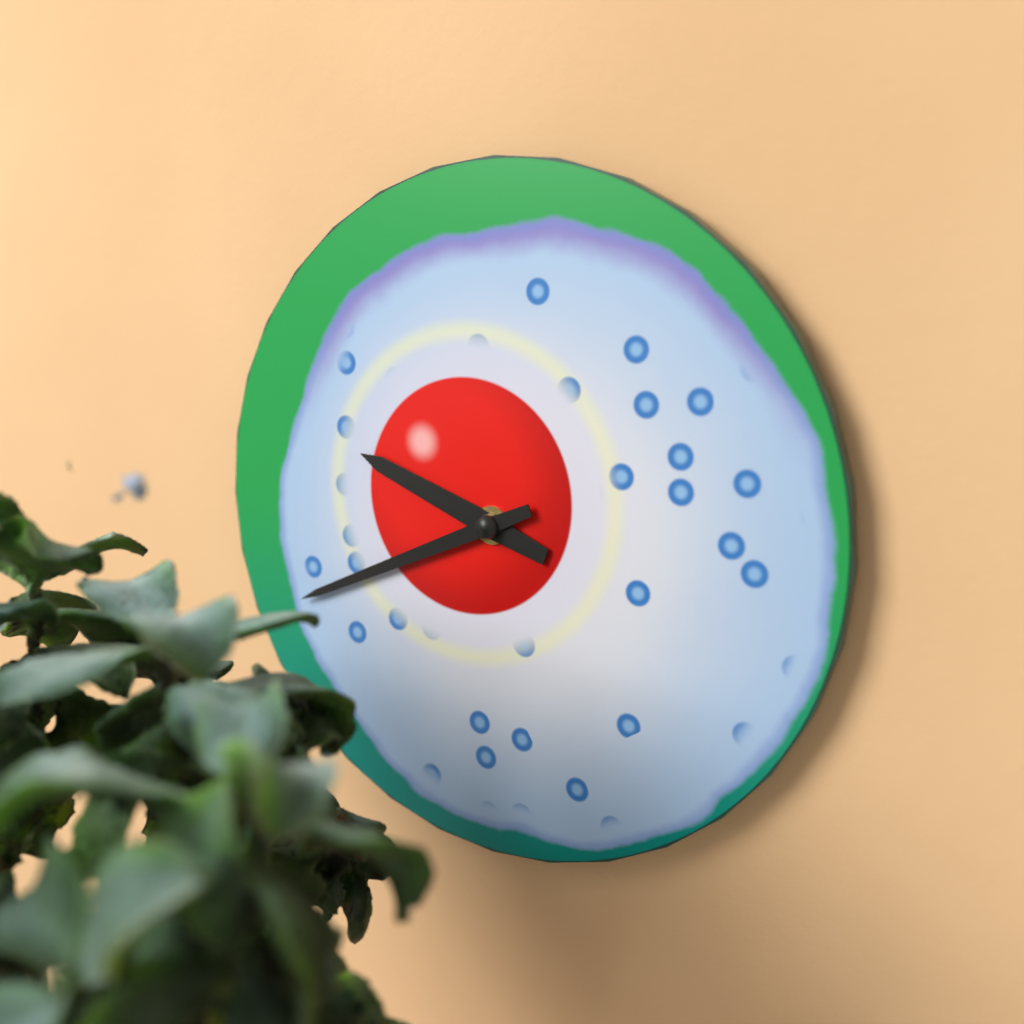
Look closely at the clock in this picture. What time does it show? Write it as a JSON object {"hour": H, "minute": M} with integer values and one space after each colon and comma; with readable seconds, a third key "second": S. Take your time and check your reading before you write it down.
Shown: {"hour": 9, "minute": 41}
